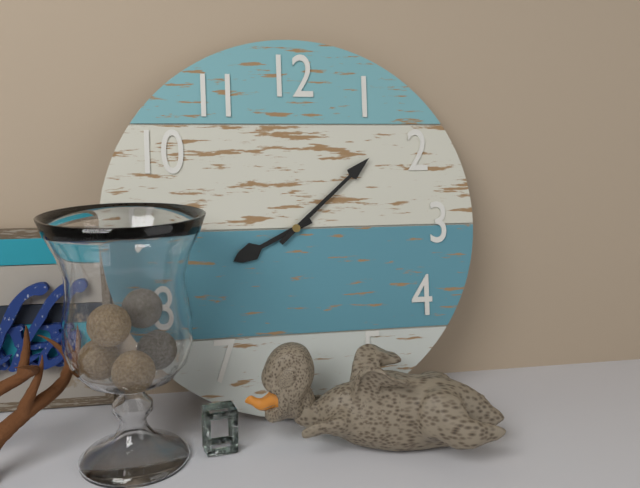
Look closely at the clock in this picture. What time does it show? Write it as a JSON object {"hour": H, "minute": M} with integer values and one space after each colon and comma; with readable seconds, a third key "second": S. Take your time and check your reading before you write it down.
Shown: {"hour": 8, "minute": 8}
